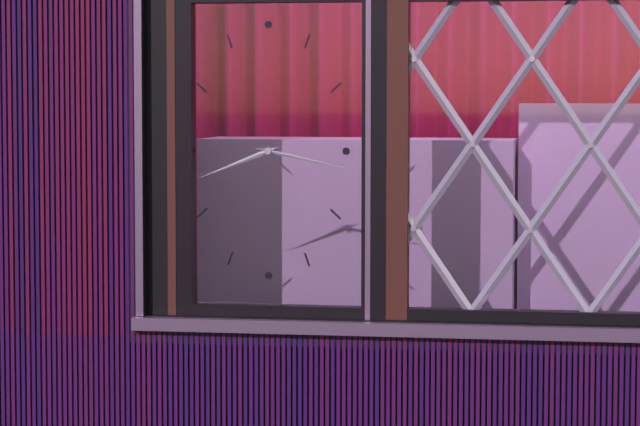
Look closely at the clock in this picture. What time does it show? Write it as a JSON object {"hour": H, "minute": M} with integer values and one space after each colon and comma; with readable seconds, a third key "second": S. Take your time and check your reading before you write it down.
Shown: {"hour": 8, "minute": 17}
